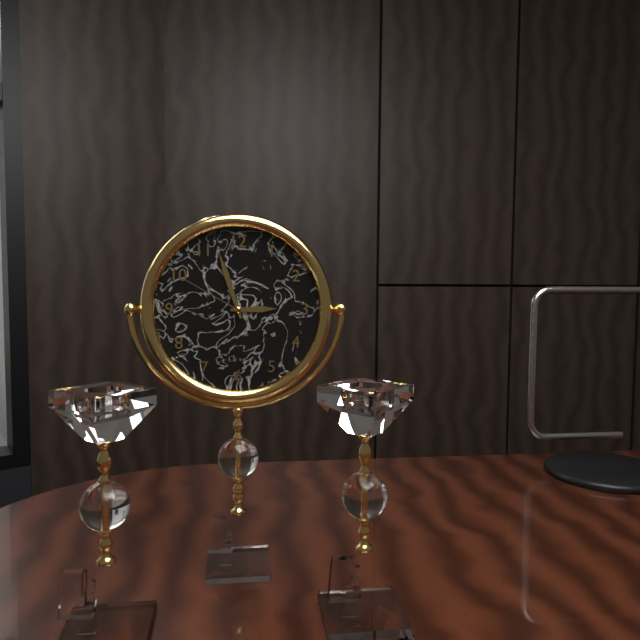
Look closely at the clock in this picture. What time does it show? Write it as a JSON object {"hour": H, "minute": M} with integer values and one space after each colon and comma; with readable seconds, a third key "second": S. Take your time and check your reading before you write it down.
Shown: {"hour": 2, "minute": 57, "second": 50}
